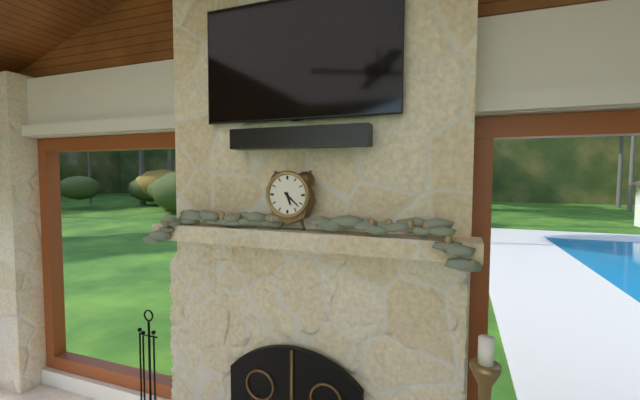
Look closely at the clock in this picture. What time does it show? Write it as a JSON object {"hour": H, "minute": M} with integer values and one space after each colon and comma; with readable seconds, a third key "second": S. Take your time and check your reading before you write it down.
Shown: {"hour": 5, "minute": 22}
